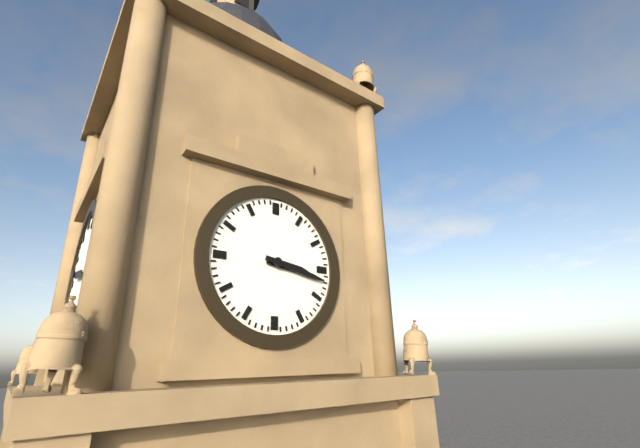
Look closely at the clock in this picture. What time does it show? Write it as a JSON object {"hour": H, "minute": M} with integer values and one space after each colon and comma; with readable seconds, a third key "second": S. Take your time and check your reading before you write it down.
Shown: {"hour": 3, "minute": 17}
